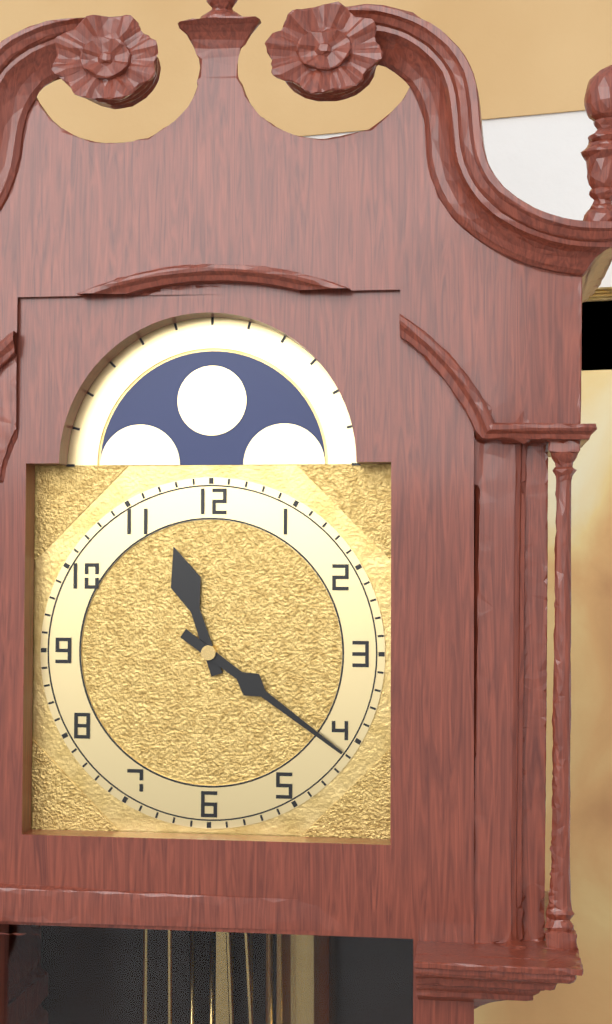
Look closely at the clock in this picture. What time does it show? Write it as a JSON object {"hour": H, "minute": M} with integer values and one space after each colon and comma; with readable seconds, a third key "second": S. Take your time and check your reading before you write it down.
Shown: {"hour": 11, "minute": 21}
